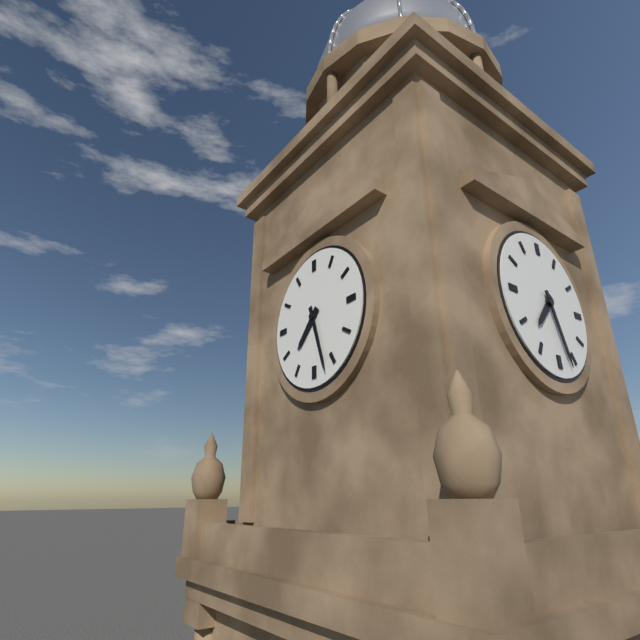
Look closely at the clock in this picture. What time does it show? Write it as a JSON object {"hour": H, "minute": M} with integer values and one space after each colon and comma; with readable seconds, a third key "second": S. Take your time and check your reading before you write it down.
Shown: {"hour": 7, "minute": 27}
